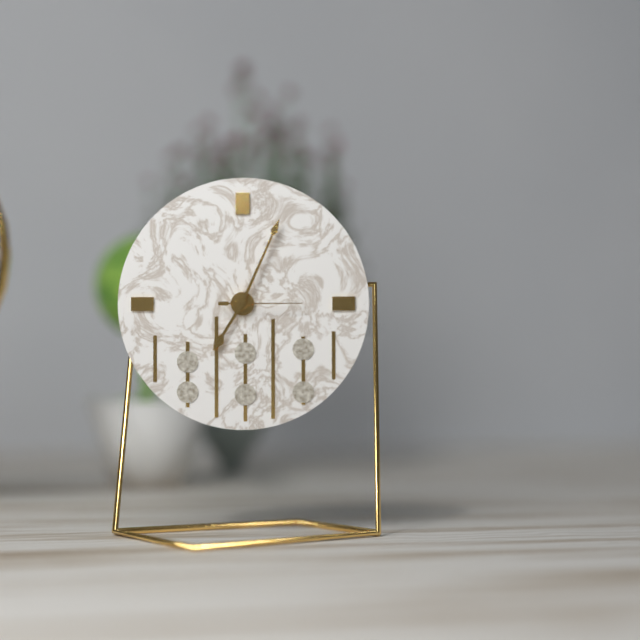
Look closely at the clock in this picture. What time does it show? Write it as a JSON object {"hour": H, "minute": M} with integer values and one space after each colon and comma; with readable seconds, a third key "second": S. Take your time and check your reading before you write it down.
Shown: {"hour": 7, "minute": 4, "second": 15}
